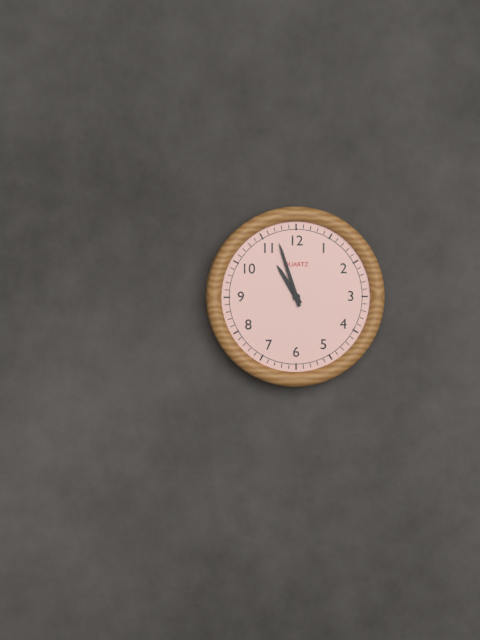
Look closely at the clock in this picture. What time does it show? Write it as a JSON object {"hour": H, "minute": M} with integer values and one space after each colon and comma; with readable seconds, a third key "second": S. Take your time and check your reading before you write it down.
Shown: {"hour": 10, "minute": 57}
